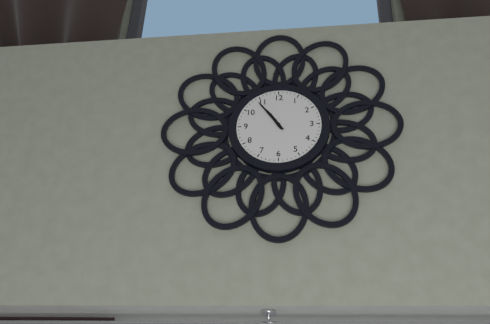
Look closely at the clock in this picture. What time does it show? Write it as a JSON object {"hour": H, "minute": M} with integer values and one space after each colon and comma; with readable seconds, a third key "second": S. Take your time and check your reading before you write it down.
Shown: {"hour": 10, "minute": 54}
